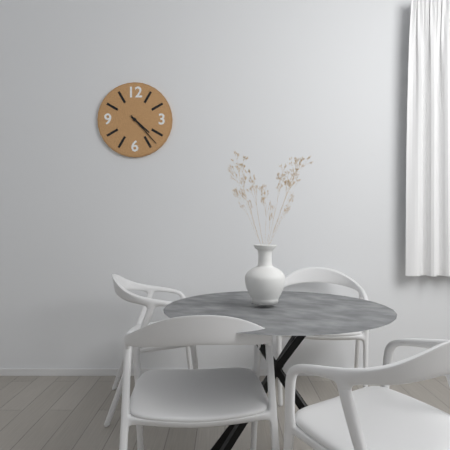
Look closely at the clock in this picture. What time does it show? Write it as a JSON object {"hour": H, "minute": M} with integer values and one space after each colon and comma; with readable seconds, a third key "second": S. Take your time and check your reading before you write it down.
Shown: {"hour": 4, "minute": 23}
